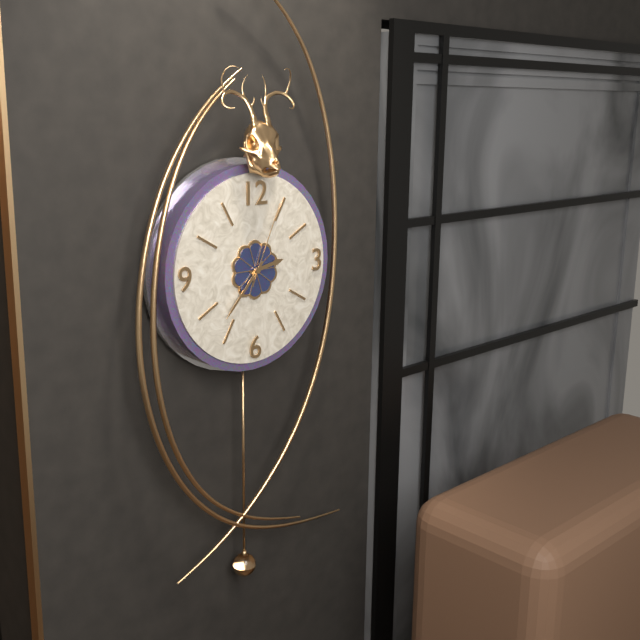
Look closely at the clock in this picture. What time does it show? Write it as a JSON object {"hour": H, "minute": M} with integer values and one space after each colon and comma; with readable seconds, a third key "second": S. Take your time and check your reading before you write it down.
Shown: {"hour": 2, "minute": 37, "second": 4}
